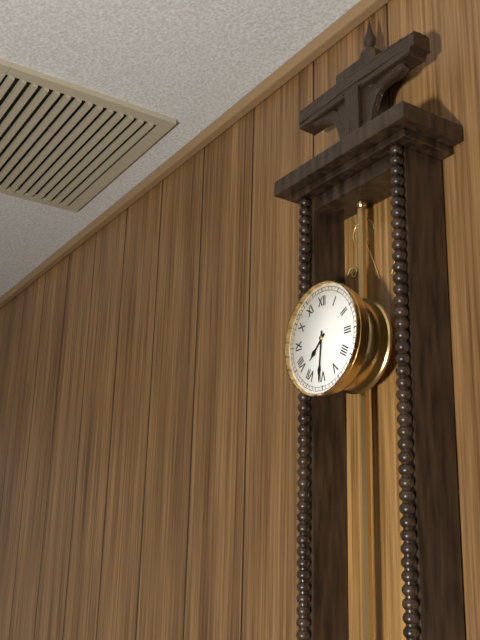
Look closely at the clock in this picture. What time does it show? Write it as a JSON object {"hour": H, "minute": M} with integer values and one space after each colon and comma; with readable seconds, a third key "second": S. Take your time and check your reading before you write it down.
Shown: {"hour": 7, "minute": 31}
